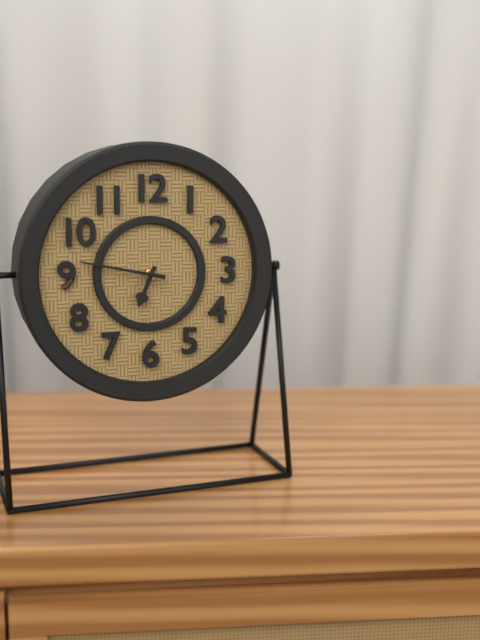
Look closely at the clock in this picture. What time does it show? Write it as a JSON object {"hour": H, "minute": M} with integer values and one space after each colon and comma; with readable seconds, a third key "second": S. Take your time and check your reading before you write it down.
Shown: {"hour": 6, "minute": 47}
